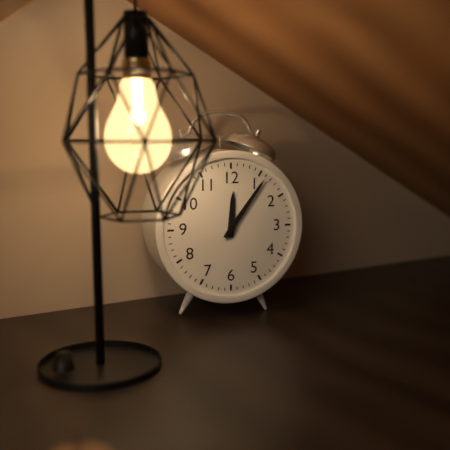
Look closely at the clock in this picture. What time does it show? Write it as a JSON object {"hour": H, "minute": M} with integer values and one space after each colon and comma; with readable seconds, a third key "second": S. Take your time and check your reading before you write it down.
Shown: {"hour": 12, "minute": 6}
